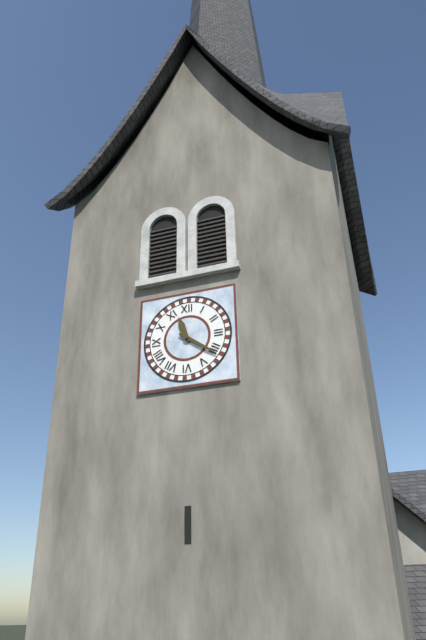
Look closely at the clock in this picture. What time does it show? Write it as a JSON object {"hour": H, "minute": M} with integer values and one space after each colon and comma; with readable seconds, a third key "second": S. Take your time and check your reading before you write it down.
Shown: {"hour": 11, "minute": 21}
